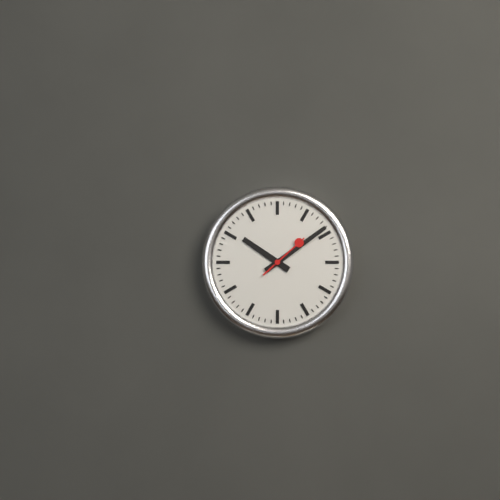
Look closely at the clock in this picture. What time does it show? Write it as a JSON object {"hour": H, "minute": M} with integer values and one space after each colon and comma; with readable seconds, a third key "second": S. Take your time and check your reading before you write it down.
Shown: {"hour": 10, "minute": 9}
